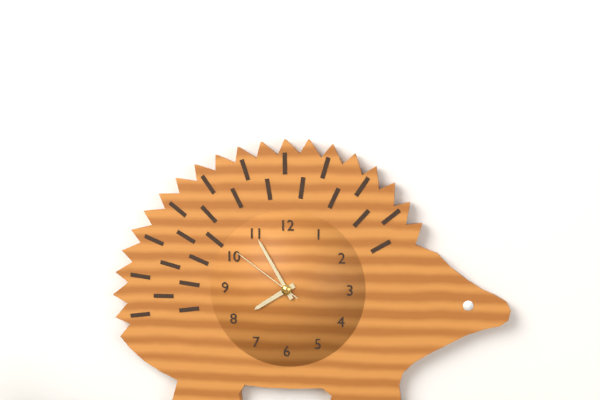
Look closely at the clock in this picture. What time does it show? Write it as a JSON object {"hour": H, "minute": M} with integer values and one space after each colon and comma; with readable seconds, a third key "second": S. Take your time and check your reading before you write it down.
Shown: {"hour": 7, "minute": 55, "second": 51}
